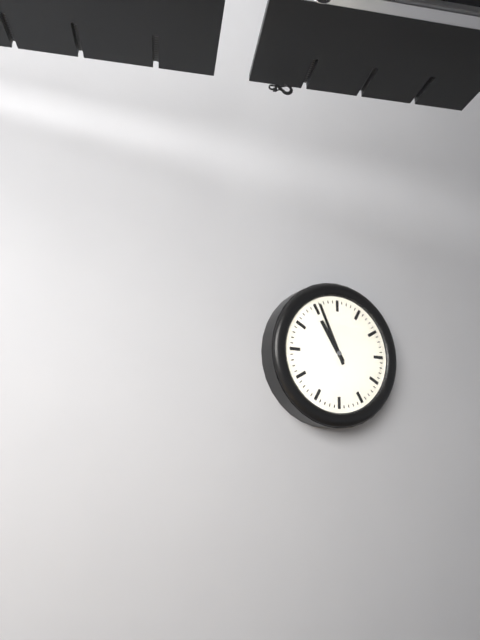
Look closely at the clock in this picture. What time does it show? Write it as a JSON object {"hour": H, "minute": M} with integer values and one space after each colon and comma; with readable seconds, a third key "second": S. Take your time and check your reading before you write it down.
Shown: {"hour": 10, "minute": 56}
